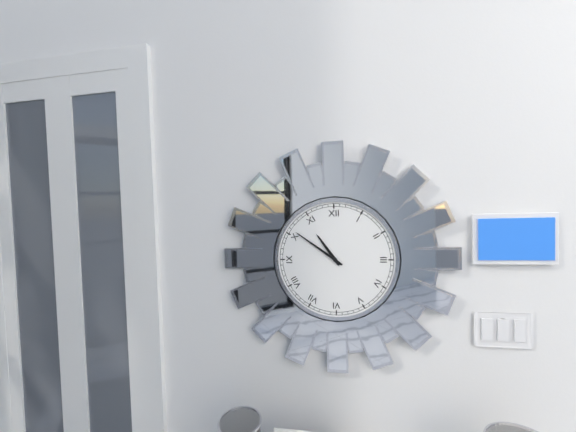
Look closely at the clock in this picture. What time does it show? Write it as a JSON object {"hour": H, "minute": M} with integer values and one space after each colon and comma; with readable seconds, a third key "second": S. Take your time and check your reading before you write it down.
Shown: {"hour": 10, "minute": 51}
